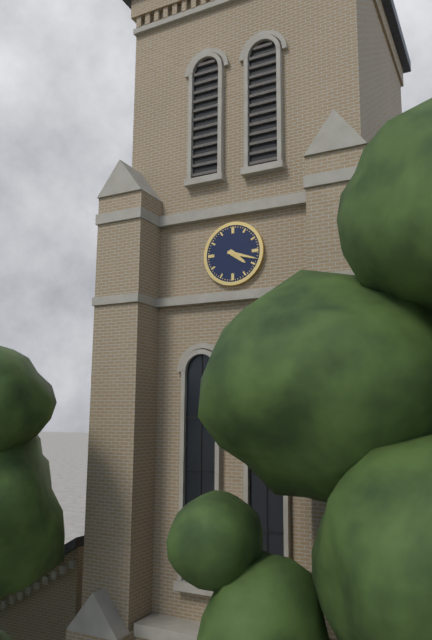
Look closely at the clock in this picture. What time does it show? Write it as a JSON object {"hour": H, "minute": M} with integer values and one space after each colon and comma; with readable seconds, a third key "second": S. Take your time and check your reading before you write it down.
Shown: {"hour": 4, "minute": 18}
